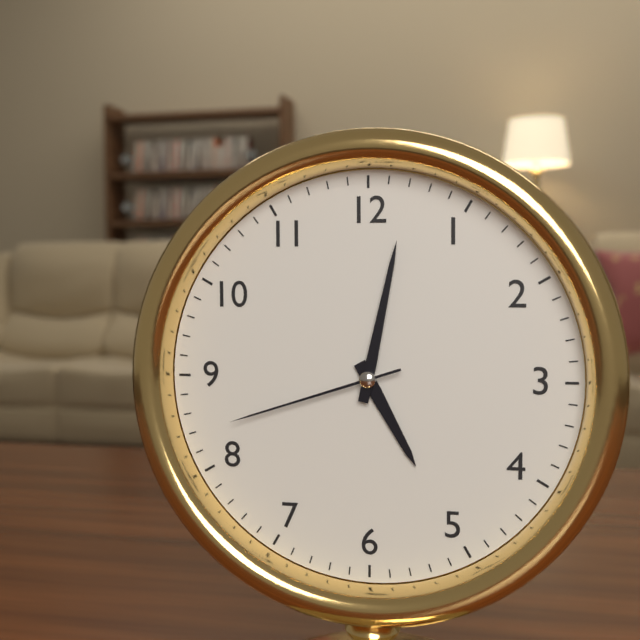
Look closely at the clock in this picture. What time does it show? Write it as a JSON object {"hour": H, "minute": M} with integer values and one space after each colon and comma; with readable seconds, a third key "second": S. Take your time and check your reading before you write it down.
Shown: {"hour": 5, "minute": 2, "second": 42}
